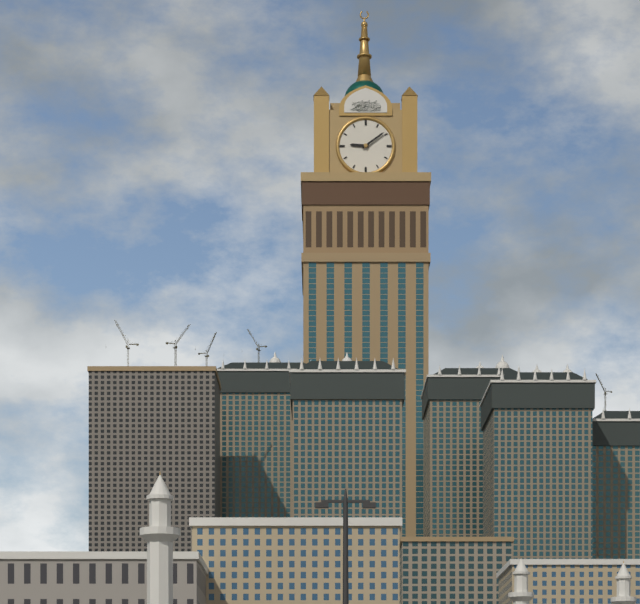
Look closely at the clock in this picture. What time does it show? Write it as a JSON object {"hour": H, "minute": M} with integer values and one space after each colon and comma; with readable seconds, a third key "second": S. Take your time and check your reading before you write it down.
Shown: {"hour": 9, "minute": 9}
